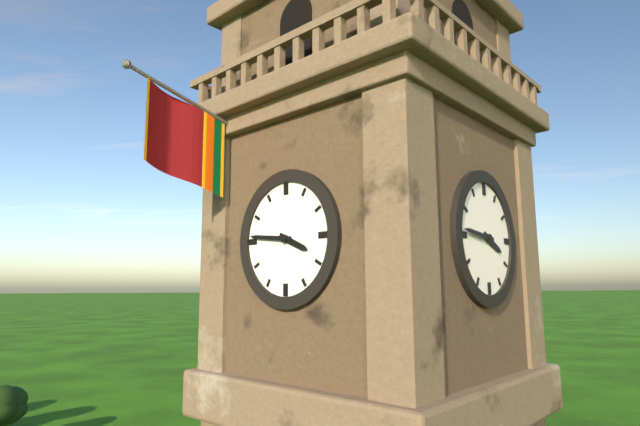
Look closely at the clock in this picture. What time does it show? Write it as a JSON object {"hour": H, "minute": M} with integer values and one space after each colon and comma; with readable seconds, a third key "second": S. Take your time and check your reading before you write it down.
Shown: {"hour": 3, "minute": 46}
